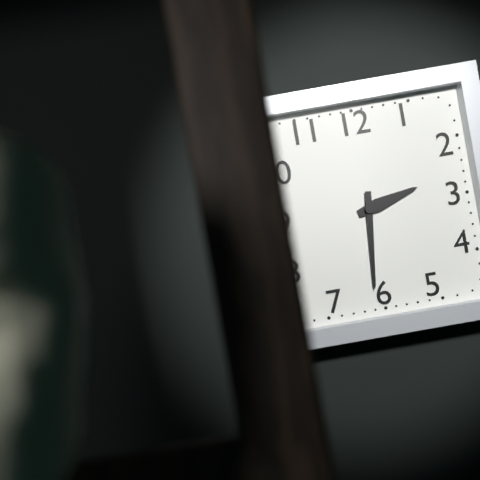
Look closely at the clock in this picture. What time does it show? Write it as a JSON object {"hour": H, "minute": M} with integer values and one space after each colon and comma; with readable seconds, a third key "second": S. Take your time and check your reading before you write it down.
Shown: {"hour": 2, "minute": 31}
